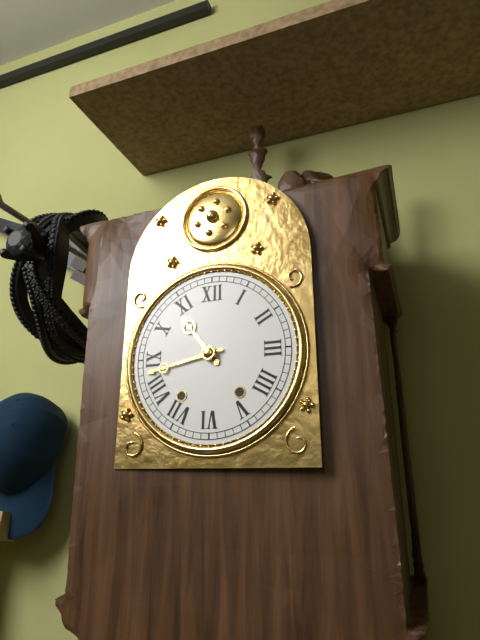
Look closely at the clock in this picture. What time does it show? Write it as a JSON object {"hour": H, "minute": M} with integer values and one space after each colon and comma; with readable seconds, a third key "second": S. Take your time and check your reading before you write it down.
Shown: {"hour": 10, "minute": 43}
